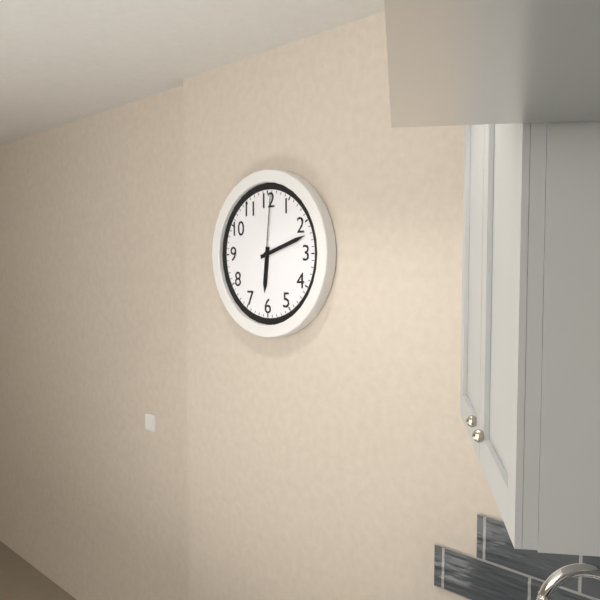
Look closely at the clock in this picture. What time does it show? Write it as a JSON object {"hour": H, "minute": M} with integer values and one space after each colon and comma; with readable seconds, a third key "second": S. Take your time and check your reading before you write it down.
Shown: {"hour": 6, "minute": 12, "second": 1}
